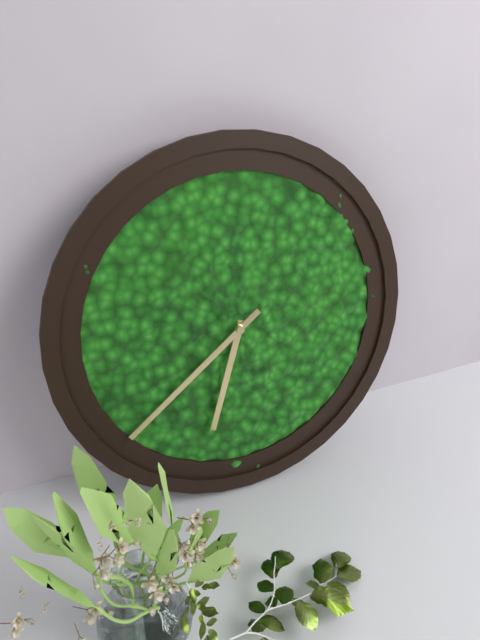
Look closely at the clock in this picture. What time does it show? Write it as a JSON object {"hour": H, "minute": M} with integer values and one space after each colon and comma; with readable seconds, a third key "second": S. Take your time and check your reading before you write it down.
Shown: {"hour": 6, "minute": 39}
